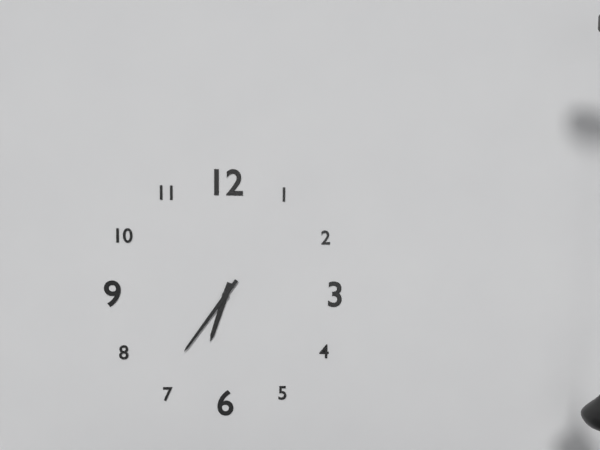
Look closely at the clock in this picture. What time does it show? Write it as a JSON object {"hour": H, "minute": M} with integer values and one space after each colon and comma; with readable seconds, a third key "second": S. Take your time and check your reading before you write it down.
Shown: {"hour": 6, "minute": 36}
